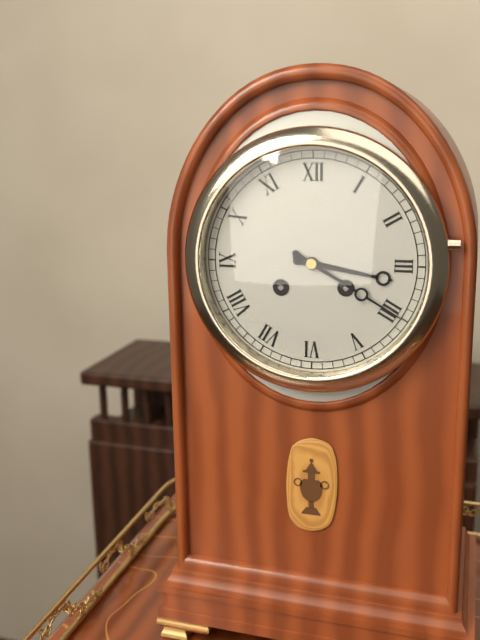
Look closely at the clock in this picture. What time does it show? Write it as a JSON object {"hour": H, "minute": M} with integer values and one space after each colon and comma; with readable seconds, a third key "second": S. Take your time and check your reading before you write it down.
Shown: {"hour": 3, "minute": 20}
